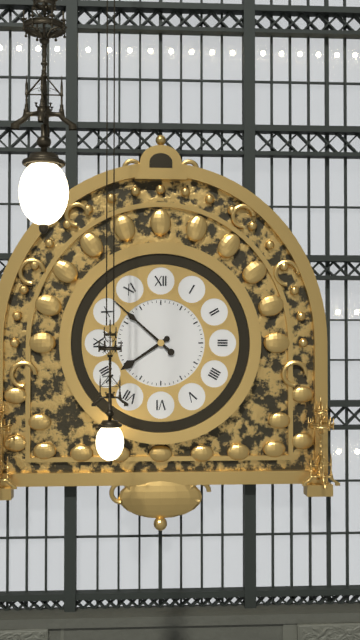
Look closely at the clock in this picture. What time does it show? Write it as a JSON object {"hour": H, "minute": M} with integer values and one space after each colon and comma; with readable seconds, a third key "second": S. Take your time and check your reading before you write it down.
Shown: {"hour": 7, "minute": 52}
